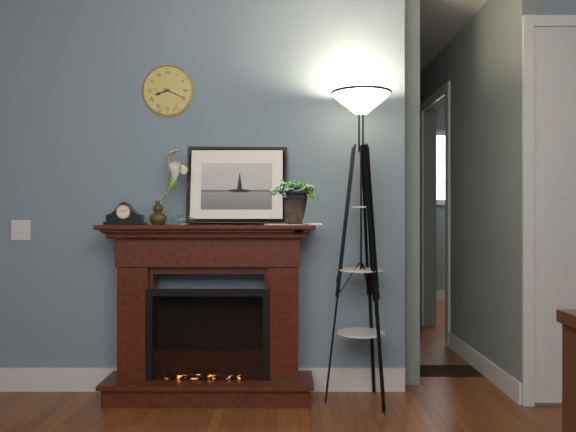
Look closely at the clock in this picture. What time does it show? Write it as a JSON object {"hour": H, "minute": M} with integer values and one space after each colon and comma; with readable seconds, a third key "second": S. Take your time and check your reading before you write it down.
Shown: {"hour": 8, "minute": 19}
